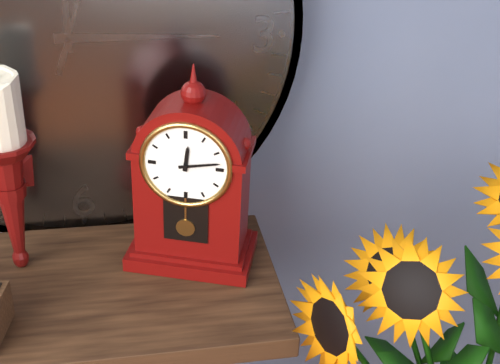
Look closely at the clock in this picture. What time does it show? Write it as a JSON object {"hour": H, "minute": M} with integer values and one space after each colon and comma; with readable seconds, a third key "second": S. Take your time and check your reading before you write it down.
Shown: {"hour": 12, "minute": 13}
